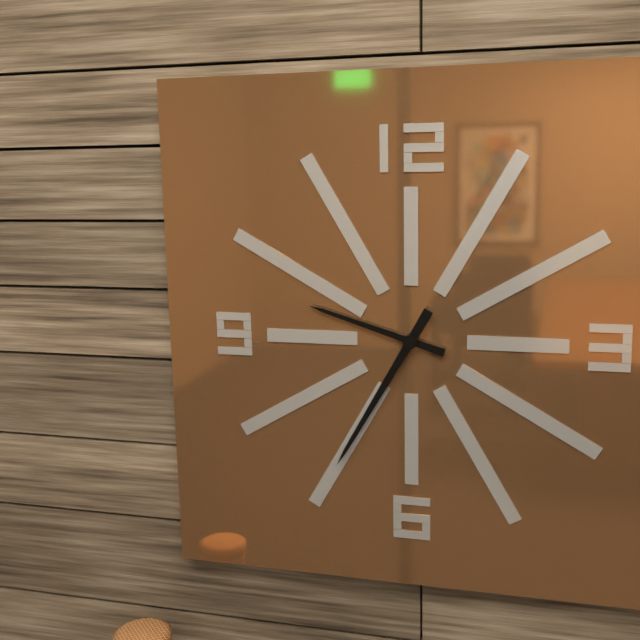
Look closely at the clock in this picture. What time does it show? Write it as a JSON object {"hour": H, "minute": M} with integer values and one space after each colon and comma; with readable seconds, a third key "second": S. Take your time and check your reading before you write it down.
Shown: {"hour": 9, "minute": 35}
